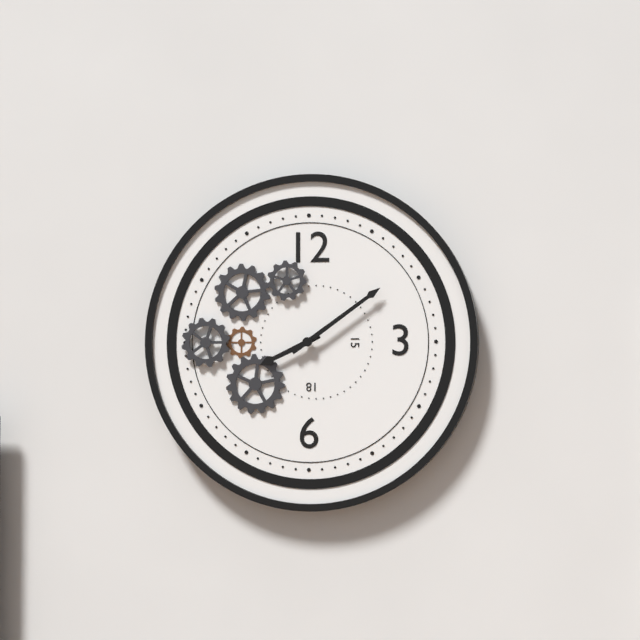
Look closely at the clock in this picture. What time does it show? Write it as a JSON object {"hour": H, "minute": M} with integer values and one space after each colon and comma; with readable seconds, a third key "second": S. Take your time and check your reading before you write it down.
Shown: {"hour": 8, "minute": 9}
